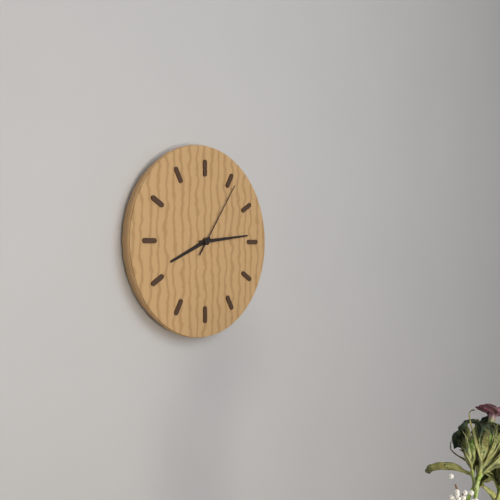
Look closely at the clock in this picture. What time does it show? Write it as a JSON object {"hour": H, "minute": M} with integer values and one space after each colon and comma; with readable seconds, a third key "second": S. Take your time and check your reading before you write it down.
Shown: {"hour": 8, "minute": 14, "second": 6}
